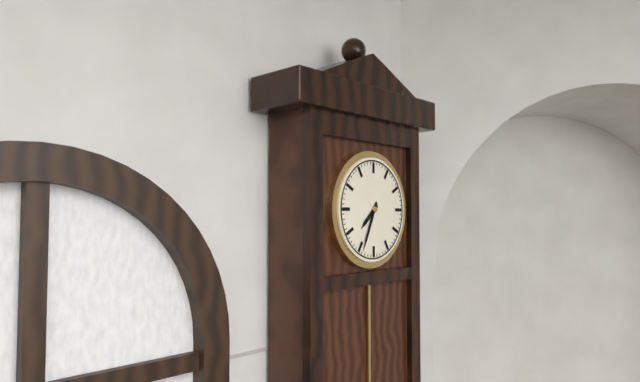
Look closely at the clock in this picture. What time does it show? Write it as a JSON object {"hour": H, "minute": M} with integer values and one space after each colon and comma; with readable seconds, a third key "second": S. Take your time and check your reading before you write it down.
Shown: {"hour": 7, "minute": 34}
